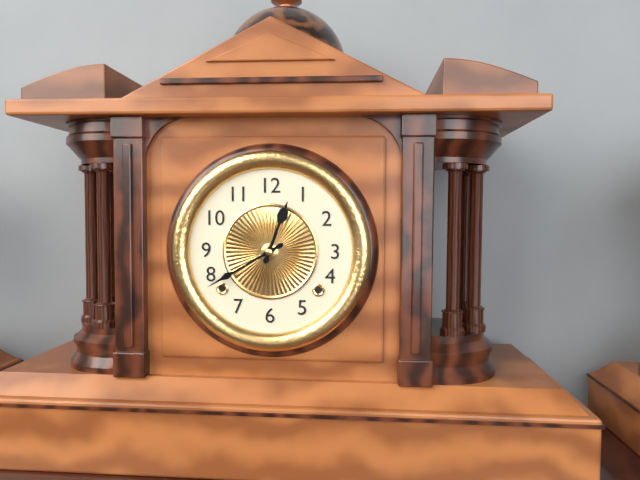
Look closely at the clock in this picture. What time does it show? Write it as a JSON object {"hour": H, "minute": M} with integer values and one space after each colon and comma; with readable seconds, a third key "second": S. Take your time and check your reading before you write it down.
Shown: {"hour": 12, "minute": 40}
